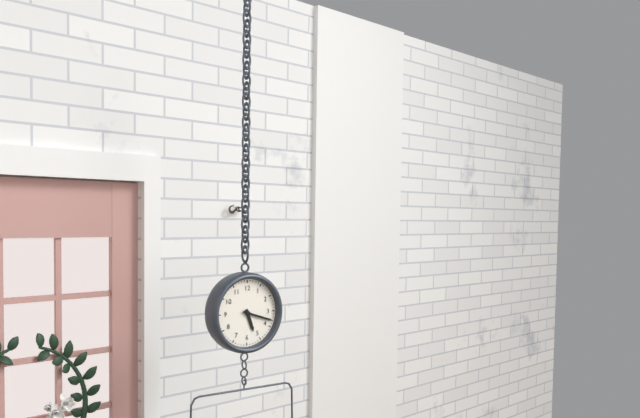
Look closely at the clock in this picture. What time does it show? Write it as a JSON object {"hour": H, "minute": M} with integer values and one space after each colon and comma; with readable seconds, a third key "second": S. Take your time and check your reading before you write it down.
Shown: {"hour": 5, "minute": 18}
